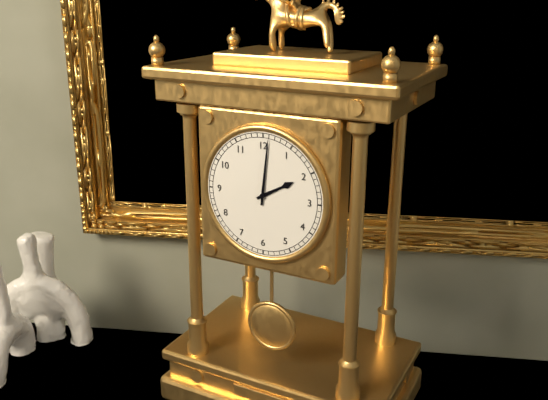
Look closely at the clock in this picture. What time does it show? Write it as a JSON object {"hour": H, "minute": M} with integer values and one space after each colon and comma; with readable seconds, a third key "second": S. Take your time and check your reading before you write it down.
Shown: {"hour": 2, "minute": 1}
